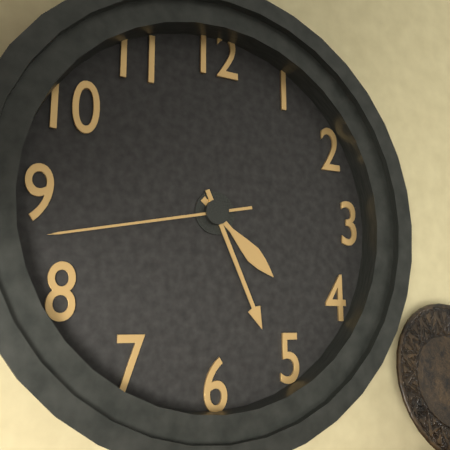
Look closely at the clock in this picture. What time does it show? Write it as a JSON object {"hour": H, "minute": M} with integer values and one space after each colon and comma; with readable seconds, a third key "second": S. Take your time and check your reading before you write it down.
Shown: {"hour": 4, "minute": 26, "second": 43}
